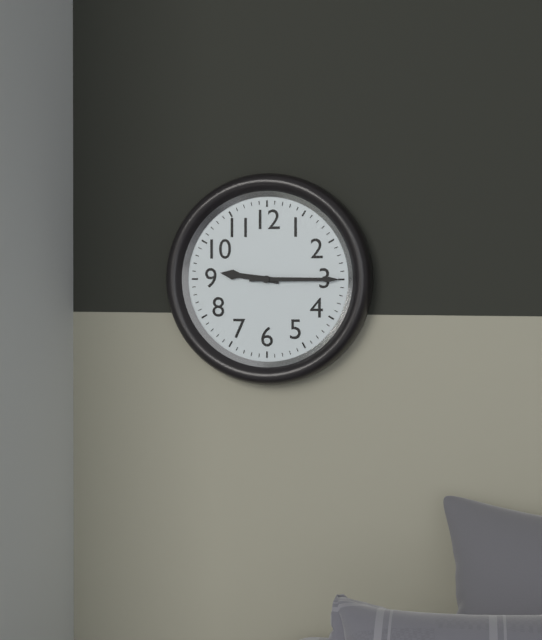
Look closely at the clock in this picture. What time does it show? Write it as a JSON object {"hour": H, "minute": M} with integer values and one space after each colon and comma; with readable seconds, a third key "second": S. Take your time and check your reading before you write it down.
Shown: {"hour": 9, "minute": 15}
